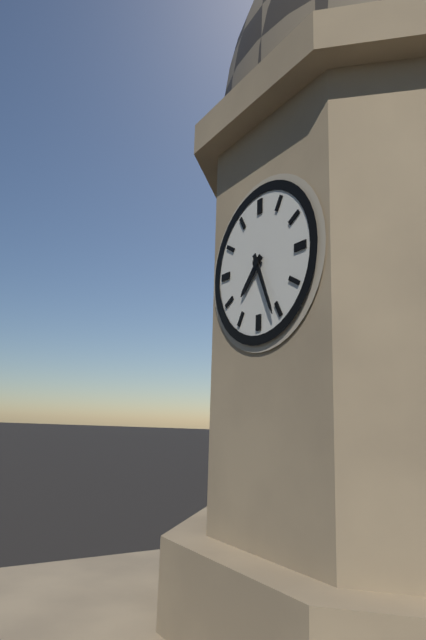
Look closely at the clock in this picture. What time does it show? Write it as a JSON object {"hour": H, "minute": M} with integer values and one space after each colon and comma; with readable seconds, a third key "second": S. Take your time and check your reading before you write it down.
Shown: {"hour": 7, "minute": 26}
